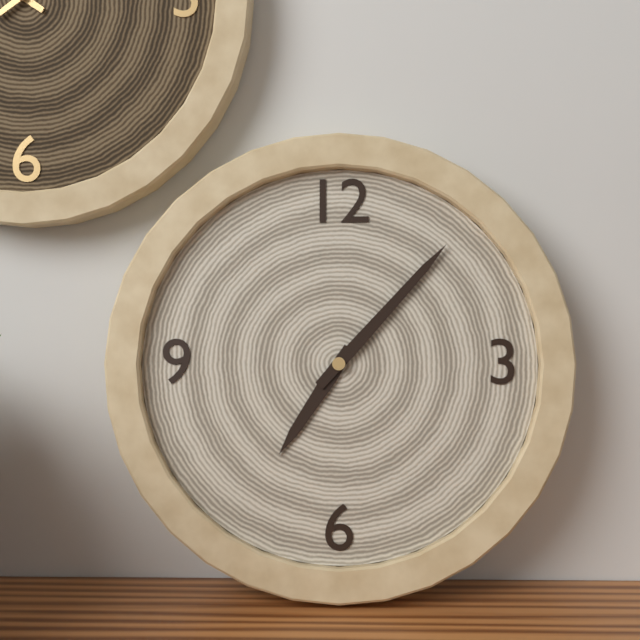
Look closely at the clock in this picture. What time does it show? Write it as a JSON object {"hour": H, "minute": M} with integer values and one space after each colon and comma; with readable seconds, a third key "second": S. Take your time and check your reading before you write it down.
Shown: {"hour": 7, "minute": 7}
